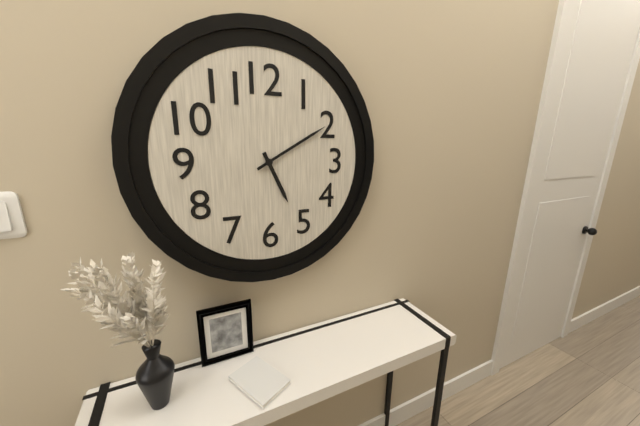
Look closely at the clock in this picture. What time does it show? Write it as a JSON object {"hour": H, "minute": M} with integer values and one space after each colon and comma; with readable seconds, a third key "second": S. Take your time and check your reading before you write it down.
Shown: {"hour": 5, "minute": 10}
